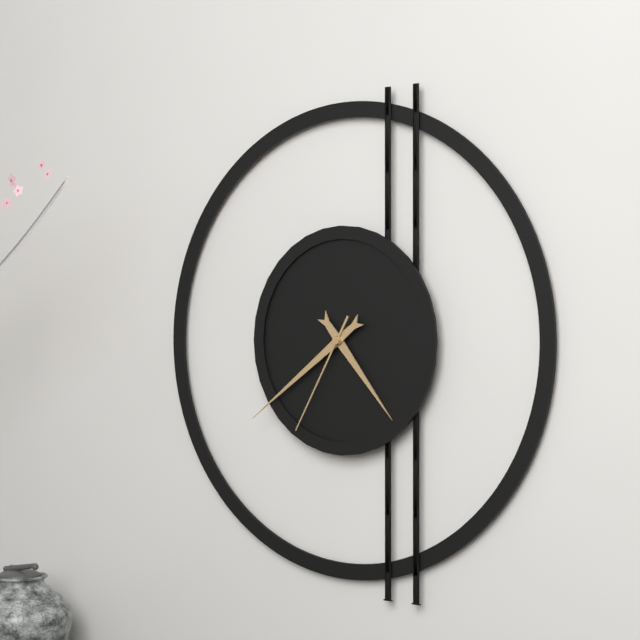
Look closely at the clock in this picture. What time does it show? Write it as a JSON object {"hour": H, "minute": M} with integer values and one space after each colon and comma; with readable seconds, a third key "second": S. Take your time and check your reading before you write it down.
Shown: {"hour": 4, "minute": 39, "second": 35}
